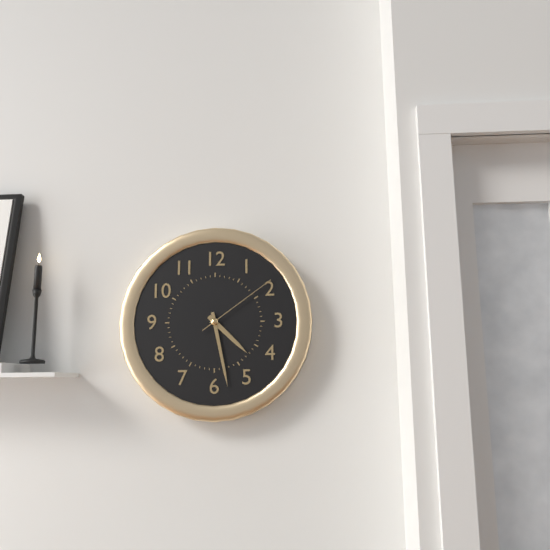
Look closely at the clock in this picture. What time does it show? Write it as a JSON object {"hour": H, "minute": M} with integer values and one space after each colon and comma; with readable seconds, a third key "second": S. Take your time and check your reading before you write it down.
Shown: {"hour": 4, "minute": 28, "second": 9}
